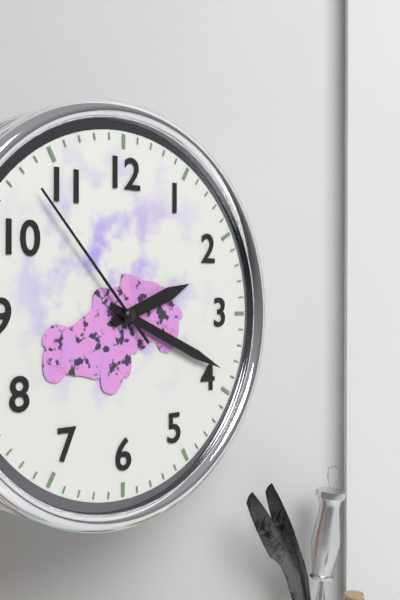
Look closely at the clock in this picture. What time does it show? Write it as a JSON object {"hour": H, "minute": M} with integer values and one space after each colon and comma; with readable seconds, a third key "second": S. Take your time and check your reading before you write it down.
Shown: {"hour": 2, "minute": 19, "second": 53}
